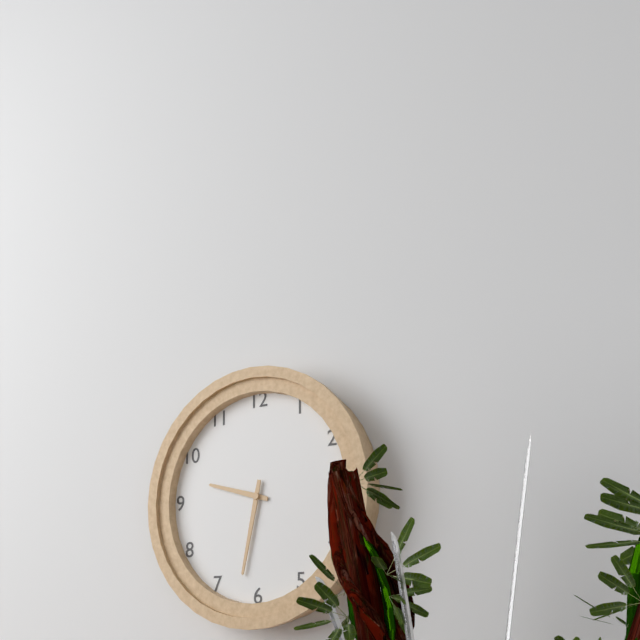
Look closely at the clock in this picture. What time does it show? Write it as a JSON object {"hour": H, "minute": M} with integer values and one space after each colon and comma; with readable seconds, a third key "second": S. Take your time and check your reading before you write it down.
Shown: {"hour": 9, "minute": 32}
